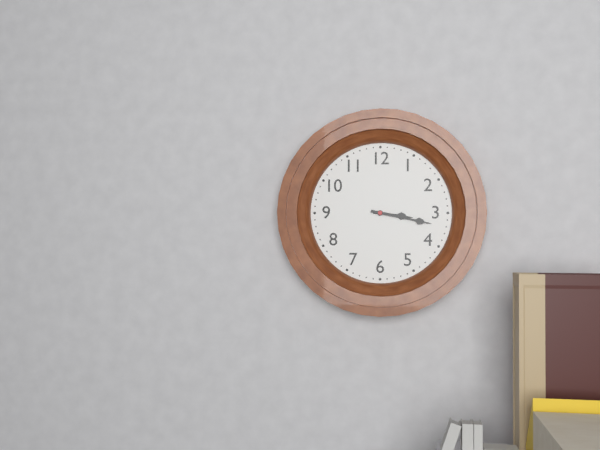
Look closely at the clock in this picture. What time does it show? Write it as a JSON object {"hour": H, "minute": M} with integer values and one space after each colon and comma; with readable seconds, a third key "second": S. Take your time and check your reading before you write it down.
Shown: {"hour": 3, "minute": 17}
